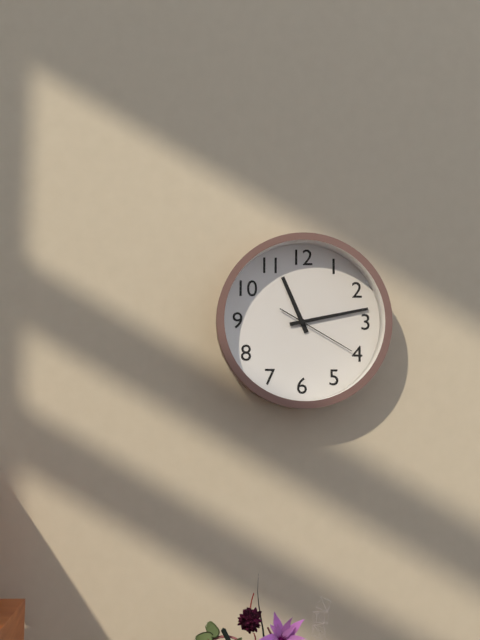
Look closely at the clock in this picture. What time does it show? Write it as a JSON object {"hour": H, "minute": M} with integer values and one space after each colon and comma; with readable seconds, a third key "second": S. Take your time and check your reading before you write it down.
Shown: {"hour": 11, "minute": 13, "second": 20}
